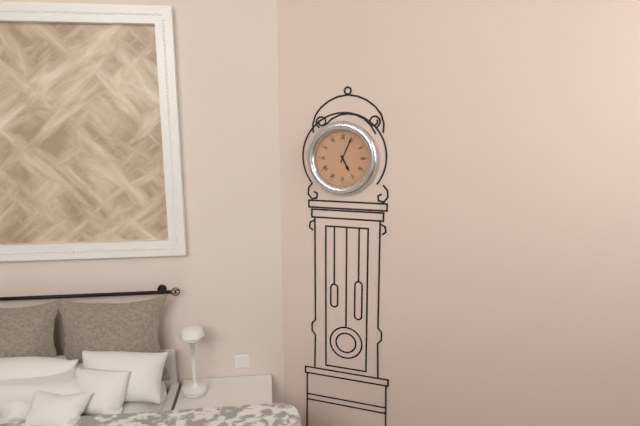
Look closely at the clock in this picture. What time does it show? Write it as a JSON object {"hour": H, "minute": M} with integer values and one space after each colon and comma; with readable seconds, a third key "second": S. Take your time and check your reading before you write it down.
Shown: {"hour": 5, "minute": 4}
